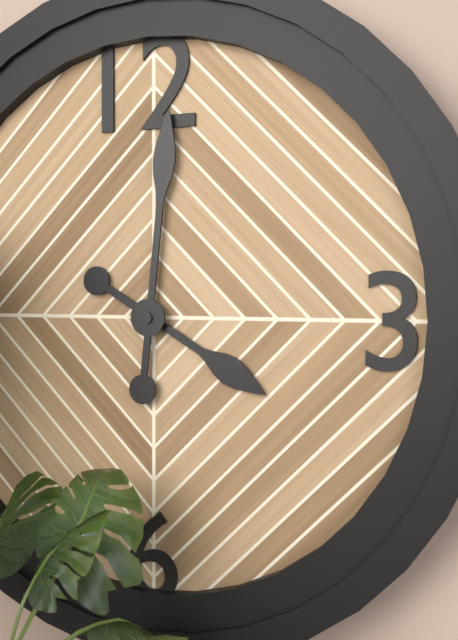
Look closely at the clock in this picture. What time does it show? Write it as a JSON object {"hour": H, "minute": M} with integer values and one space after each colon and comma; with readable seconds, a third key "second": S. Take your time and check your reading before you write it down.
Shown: {"hour": 4, "minute": 1}
